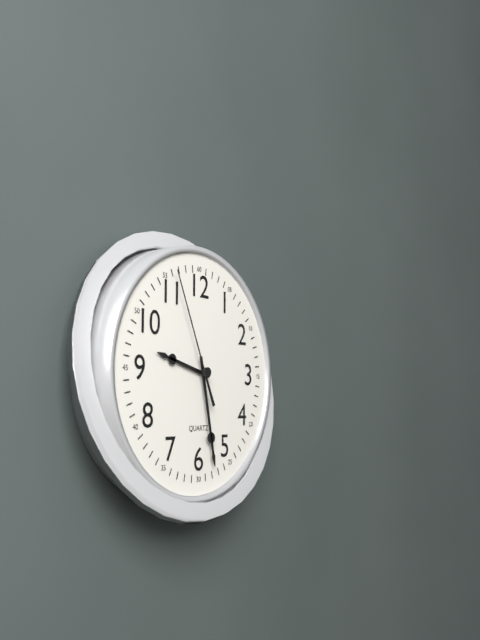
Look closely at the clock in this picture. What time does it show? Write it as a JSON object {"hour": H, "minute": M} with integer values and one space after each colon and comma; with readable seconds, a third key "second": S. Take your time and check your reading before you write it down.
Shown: {"hour": 9, "minute": 28, "second": 56}
